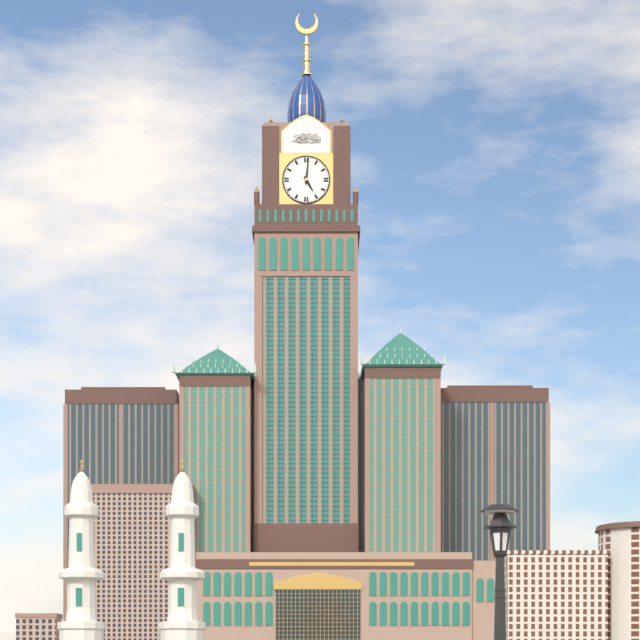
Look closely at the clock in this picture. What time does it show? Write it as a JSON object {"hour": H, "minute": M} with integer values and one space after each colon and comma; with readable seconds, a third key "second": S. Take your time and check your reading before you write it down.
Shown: {"hour": 5, "minute": 1}
